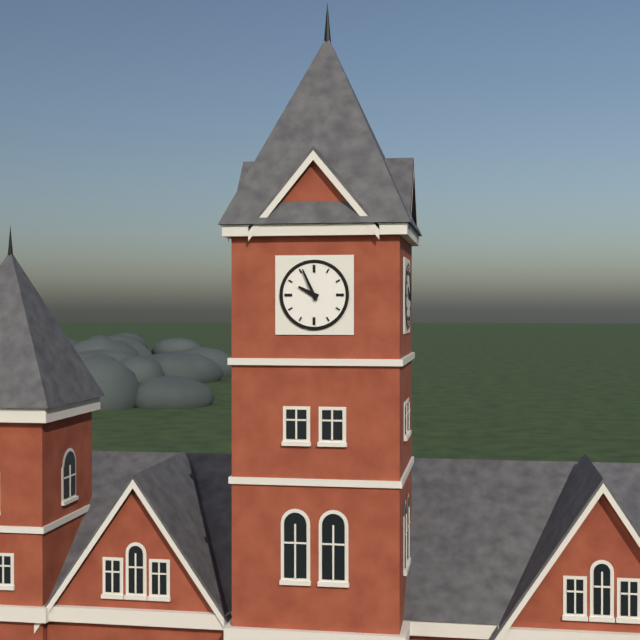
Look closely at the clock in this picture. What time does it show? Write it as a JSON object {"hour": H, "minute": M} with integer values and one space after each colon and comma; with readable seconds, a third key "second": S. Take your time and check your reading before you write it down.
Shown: {"hour": 9, "minute": 56}
